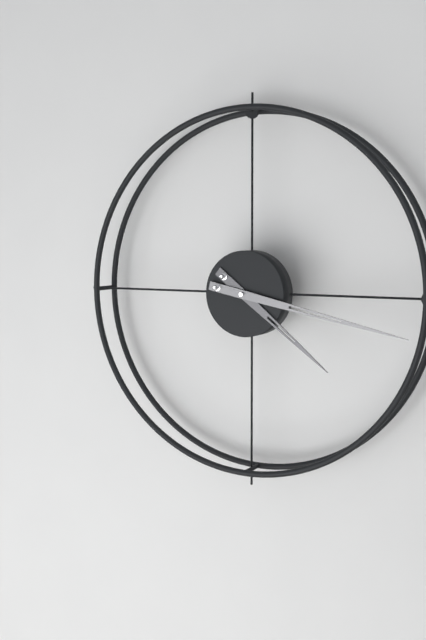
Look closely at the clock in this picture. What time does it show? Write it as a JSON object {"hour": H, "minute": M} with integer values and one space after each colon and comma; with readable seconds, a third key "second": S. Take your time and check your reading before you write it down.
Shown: {"hour": 4, "minute": 17}
